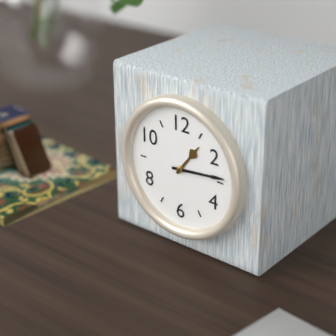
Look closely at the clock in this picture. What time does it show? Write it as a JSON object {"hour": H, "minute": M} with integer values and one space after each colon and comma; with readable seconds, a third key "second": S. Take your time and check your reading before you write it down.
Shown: {"hour": 1, "minute": 14}
